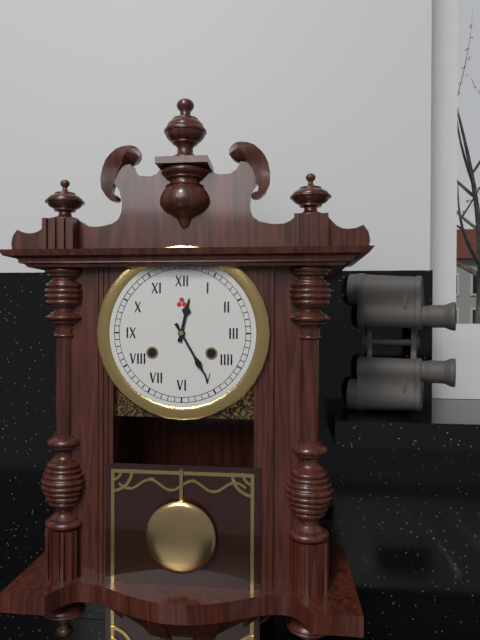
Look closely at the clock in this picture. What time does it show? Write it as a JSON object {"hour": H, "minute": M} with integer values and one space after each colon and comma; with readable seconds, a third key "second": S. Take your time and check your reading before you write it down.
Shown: {"hour": 12, "minute": 25}
